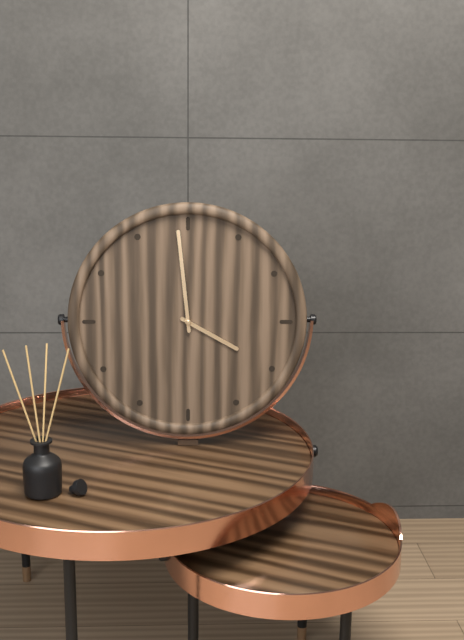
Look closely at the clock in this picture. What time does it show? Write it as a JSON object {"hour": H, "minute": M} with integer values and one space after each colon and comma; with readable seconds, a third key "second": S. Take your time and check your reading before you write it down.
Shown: {"hour": 3, "minute": 59}
